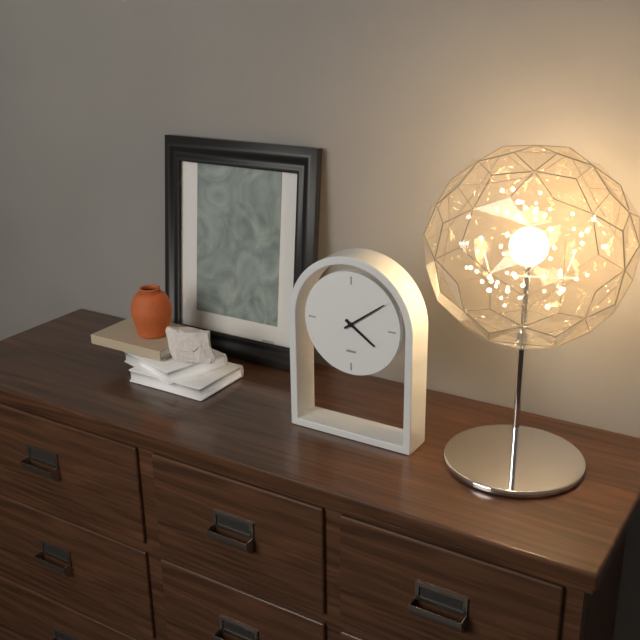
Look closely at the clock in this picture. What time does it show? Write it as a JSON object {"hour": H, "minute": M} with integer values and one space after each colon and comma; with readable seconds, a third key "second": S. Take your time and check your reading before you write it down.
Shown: {"hour": 4, "minute": 9}
